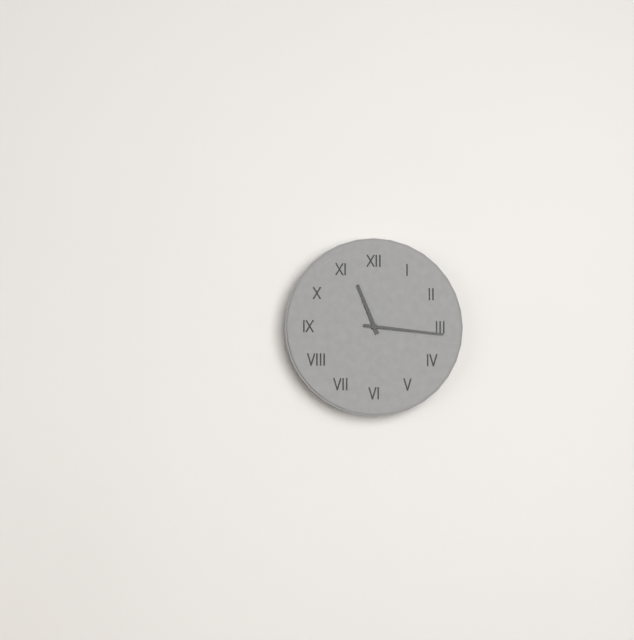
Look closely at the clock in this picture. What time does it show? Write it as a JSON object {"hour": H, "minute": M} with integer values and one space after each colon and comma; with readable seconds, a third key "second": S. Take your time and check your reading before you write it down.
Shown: {"hour": 11, "minute": 16}
